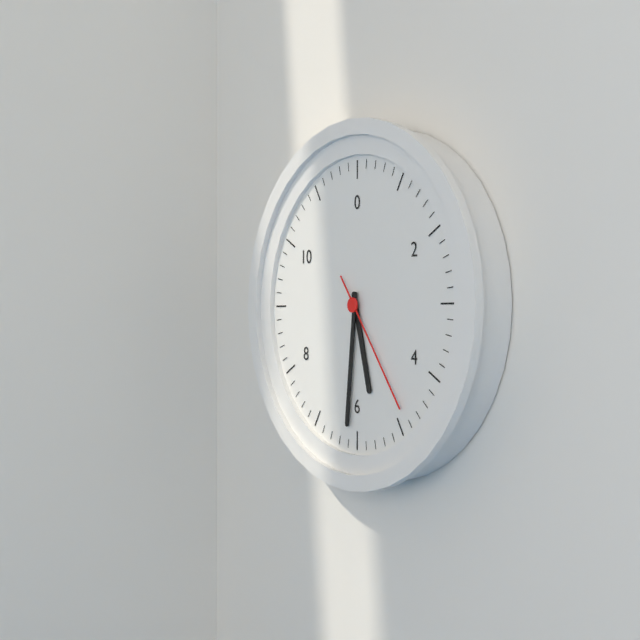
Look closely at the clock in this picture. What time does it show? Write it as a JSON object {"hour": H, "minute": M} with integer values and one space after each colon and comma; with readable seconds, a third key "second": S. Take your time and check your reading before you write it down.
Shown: {"hour": 5, "minute": 31, "second": 24}
